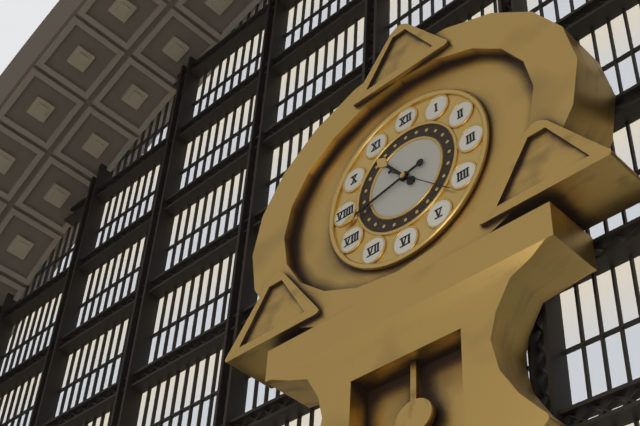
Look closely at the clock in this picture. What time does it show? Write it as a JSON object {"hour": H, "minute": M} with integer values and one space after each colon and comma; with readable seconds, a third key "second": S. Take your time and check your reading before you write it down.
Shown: {"hour": 10, "minute": 43, "second": 22}
